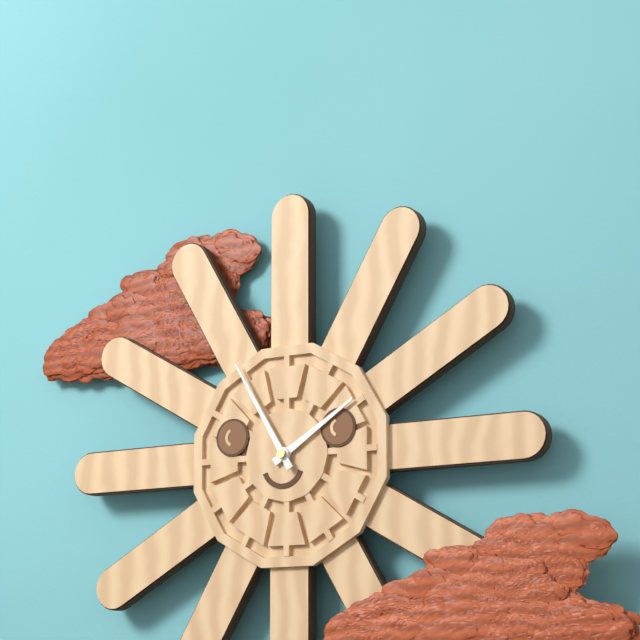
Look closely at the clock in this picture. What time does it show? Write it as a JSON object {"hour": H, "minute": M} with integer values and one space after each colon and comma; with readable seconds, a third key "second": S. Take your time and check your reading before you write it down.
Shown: {"hour": 1, "minute": 55}
